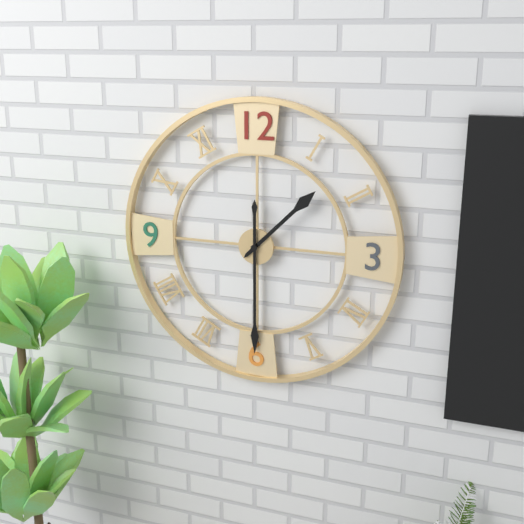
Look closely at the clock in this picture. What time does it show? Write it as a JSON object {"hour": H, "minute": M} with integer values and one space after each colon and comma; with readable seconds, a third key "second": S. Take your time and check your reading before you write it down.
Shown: {"hour": 1, "minute": 30}
